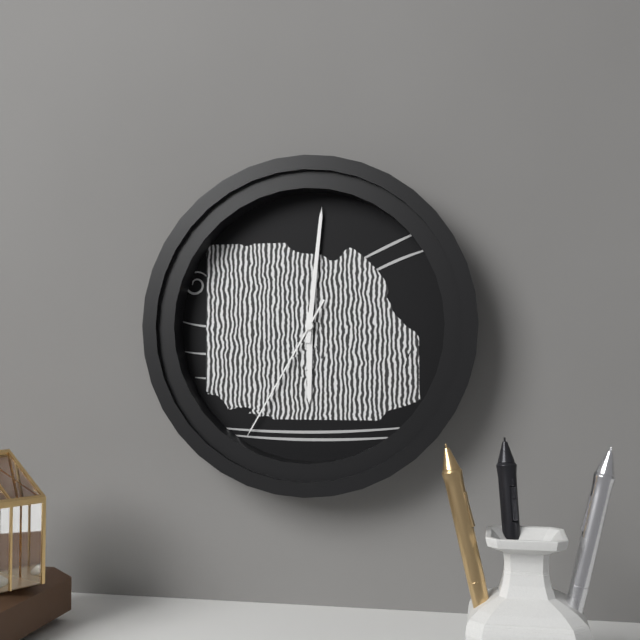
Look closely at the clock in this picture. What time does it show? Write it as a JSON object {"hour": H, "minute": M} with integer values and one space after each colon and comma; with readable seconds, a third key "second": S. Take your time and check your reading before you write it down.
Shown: {"hour": 6, "minute": 1, "second": 35}
